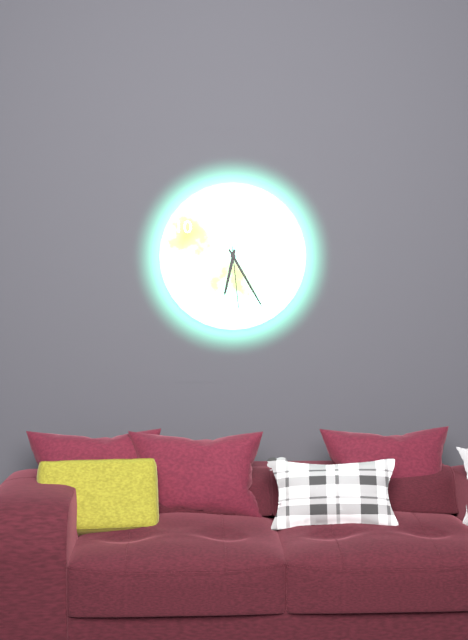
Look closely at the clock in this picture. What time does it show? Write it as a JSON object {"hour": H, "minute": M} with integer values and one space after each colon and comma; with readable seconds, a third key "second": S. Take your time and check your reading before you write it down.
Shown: {"hour": 6, "minute": 25, "second": 29}
